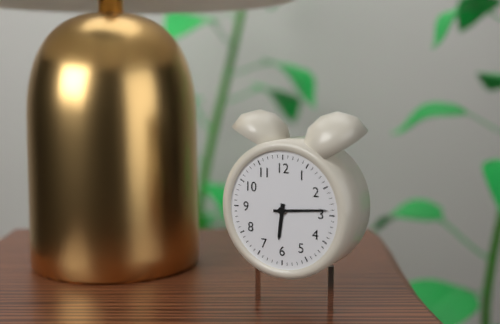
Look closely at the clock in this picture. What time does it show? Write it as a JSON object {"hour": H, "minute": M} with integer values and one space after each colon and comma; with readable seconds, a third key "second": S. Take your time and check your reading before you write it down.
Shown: {"hour": 6, "minute": 14}
